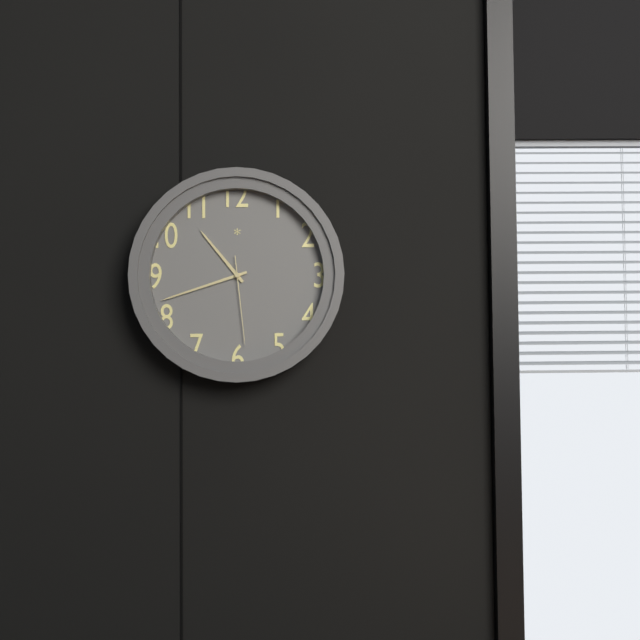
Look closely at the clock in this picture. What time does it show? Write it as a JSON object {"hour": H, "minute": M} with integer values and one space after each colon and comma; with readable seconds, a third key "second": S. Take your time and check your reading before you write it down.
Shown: {"hour": 10, "minute": 42, "second": 29}
